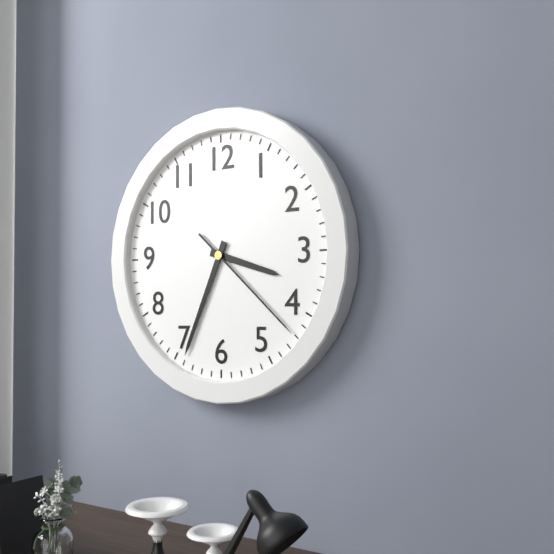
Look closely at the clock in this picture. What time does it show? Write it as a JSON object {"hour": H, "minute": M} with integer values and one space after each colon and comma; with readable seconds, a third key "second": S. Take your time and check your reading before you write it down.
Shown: {"hour": 3, "minute": 34, "second": 22}
